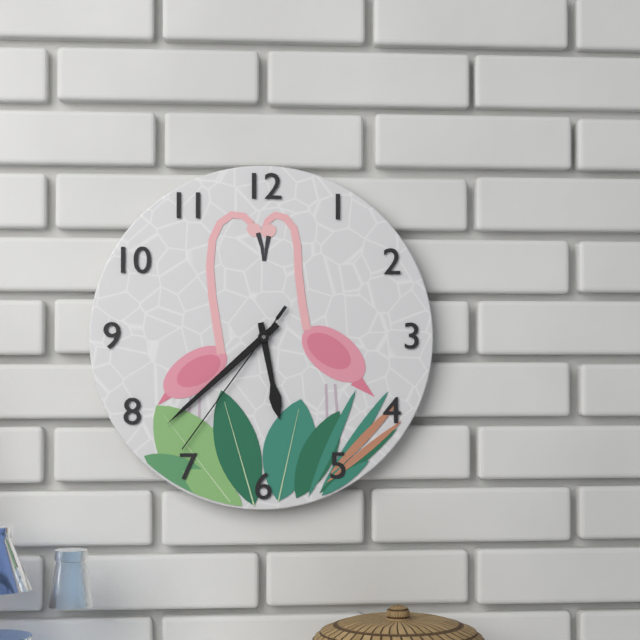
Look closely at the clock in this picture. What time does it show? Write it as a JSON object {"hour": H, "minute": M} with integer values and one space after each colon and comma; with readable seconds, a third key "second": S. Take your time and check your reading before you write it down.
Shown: {"hour": 5, "minute": 38, "second": 36}
